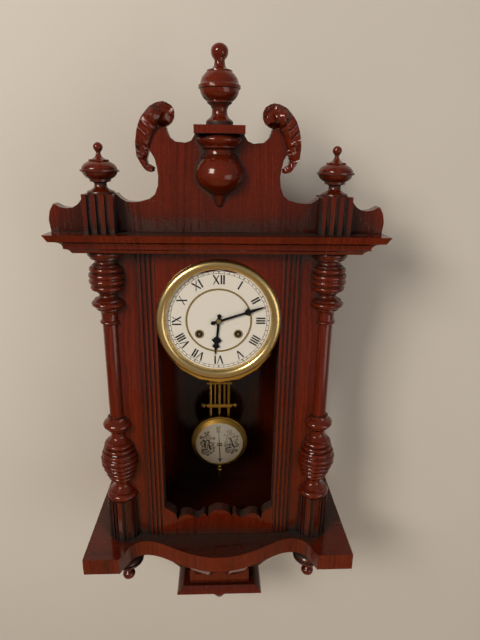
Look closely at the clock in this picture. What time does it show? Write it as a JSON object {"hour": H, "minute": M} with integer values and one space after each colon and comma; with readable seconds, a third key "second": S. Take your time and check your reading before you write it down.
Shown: {"hour": 6, "minute": 12}
